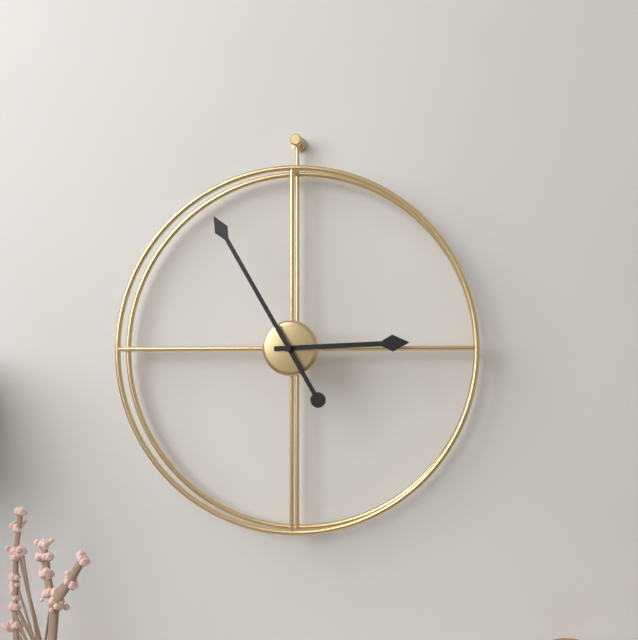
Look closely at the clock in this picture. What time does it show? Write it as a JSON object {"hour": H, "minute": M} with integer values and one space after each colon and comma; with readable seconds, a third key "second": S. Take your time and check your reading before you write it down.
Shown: {"hour": 2, "minute": 55}
